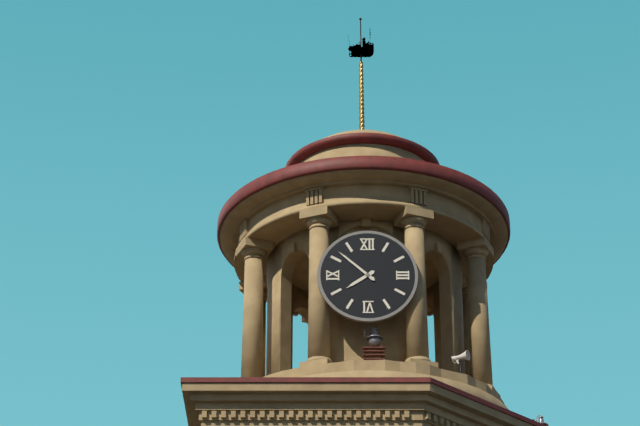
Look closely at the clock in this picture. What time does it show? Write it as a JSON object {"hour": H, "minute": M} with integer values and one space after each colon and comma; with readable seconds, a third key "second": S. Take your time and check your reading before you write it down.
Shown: {"hour": 7, "minute": 52}
